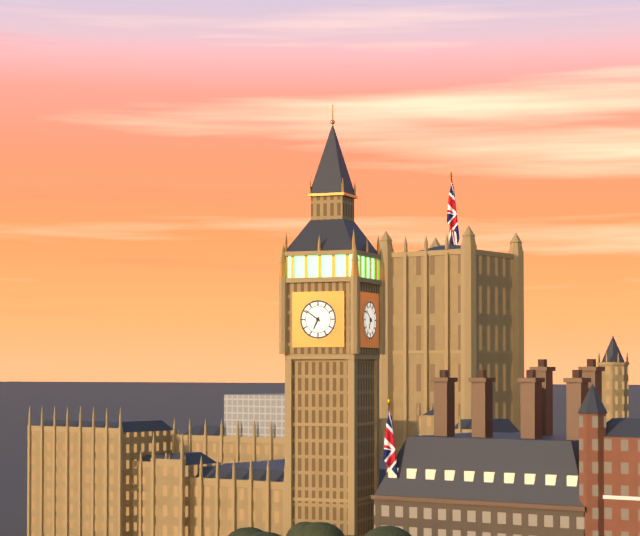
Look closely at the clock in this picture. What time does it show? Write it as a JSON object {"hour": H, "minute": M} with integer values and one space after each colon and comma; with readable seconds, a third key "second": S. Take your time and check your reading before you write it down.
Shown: {"hour": 6, "minute": 51}
